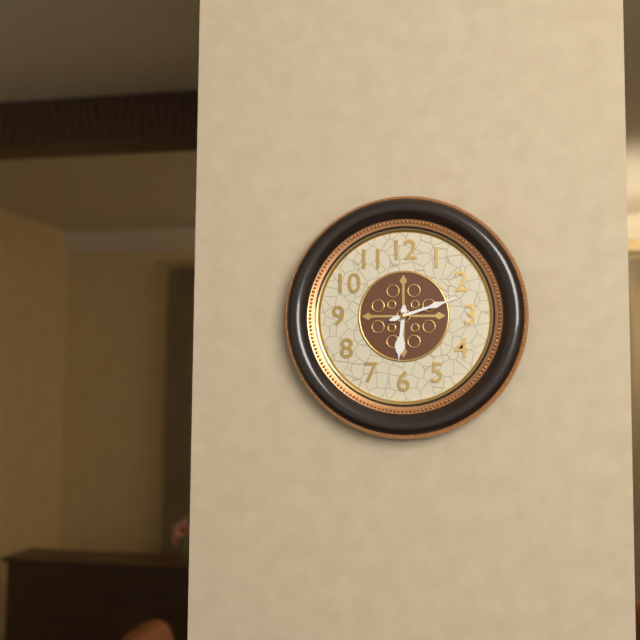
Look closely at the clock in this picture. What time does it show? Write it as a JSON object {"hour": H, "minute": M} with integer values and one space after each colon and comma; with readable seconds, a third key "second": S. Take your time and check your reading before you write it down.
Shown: {"hour": 6, "minute": 12}
